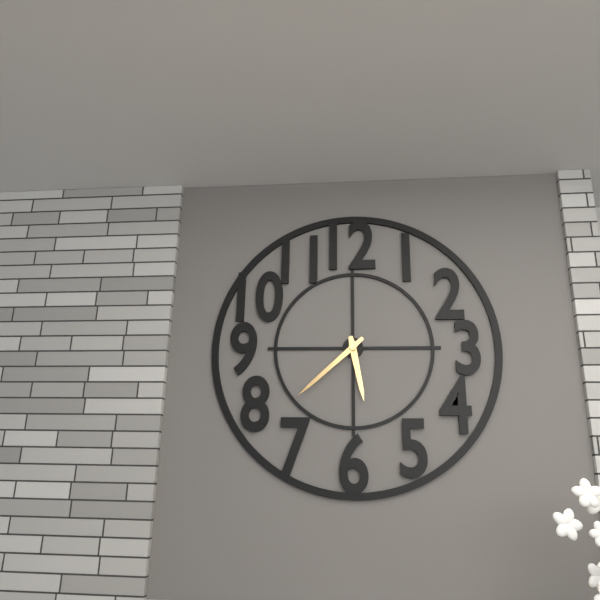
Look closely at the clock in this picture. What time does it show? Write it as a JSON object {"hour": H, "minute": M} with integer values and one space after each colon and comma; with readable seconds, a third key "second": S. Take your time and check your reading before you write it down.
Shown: {"hour": 5, "minute": 38}
